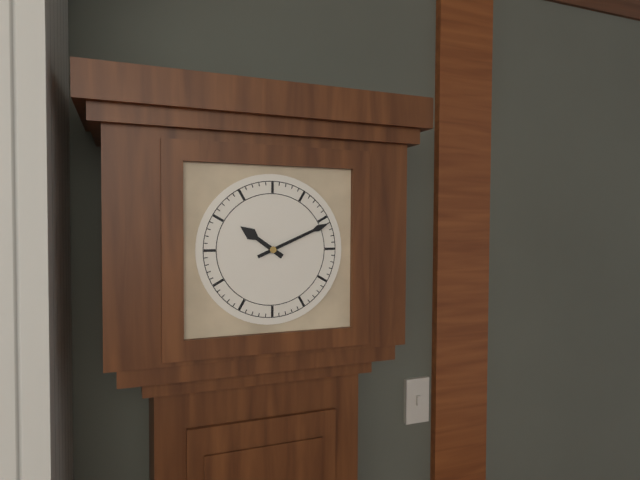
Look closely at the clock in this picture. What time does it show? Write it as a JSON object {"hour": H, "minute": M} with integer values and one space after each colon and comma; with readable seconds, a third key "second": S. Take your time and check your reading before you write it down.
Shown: {"hour": 10, "minute": 11}
